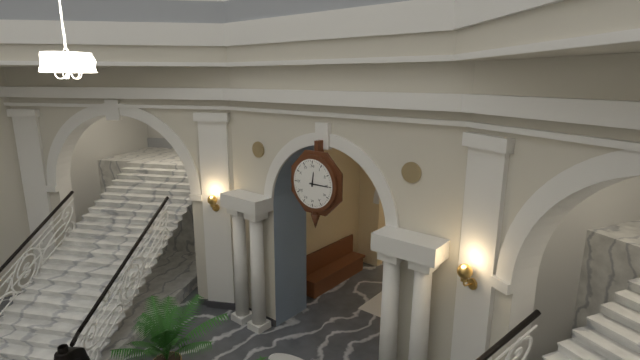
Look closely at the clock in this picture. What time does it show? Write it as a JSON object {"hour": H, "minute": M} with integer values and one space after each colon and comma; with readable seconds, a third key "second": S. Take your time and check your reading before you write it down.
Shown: {"hour": 12, "minute": 15}
